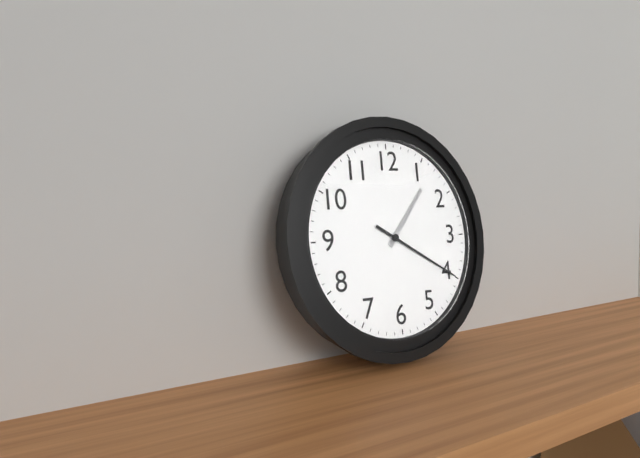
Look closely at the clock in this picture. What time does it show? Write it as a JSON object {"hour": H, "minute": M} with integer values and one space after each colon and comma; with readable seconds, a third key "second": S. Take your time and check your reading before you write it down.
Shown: {"hour": 1, "minute": 20}
